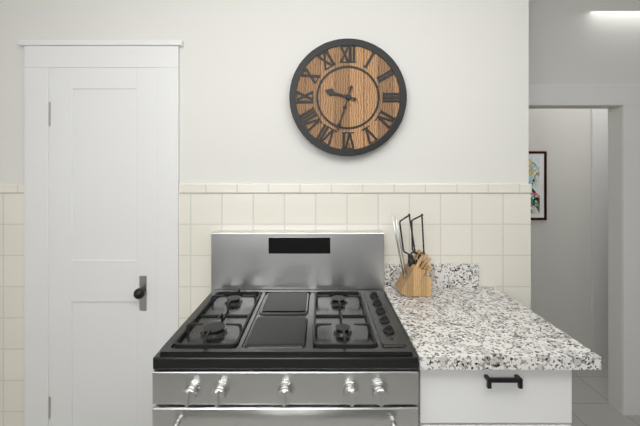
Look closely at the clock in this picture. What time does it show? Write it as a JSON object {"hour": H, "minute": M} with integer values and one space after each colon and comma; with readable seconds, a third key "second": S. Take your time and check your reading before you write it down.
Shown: {"hour": 9, "minute": 33}
